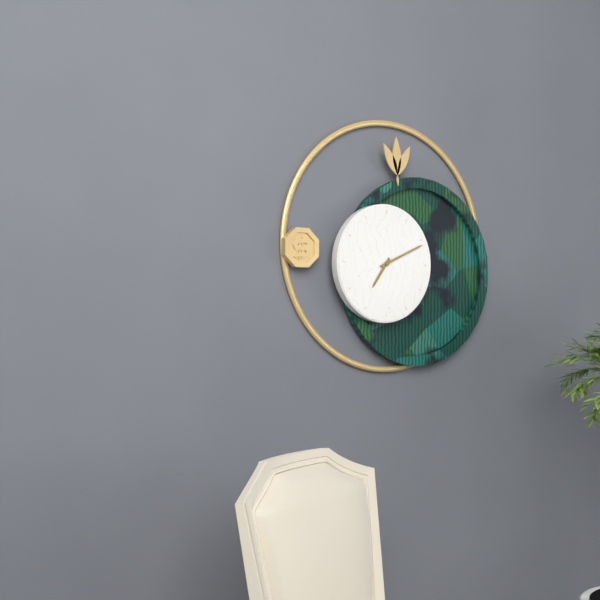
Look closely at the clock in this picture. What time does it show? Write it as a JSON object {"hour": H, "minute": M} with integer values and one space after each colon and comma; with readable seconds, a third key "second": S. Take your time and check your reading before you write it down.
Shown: {"hour": 7, "minute": 11}
